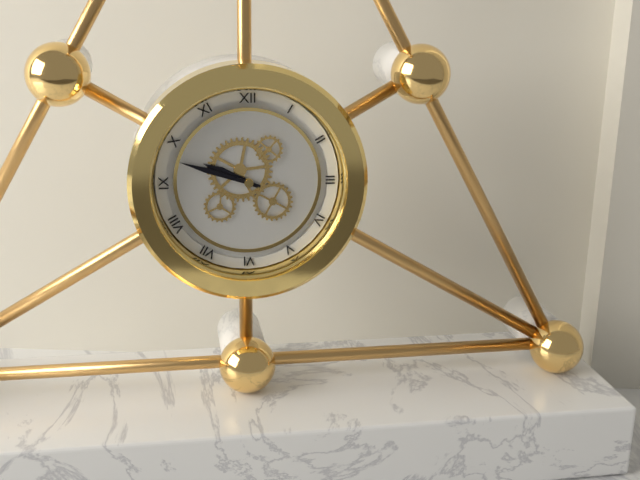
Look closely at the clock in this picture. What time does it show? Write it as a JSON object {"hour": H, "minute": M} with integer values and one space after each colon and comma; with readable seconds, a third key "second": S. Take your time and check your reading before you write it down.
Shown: {"hour": 9, "minute": 48}
